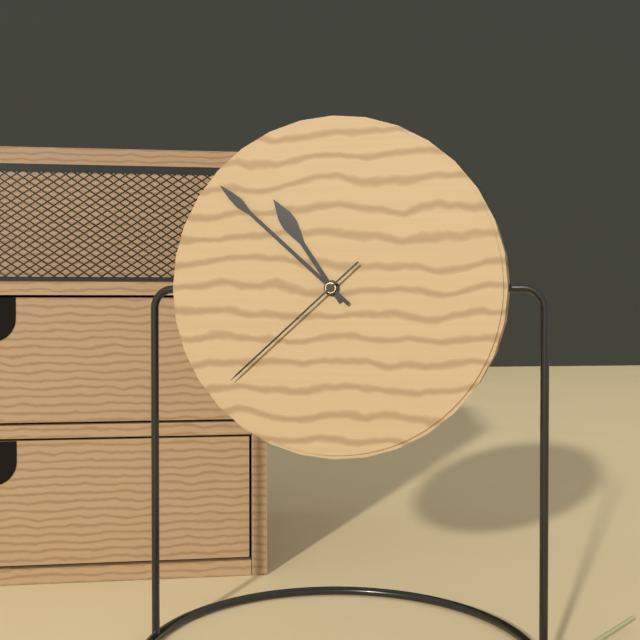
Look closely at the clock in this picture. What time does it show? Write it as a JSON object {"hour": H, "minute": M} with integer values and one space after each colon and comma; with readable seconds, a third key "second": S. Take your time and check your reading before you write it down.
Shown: {"hour": 10, "minute": 52, "second": 38}
